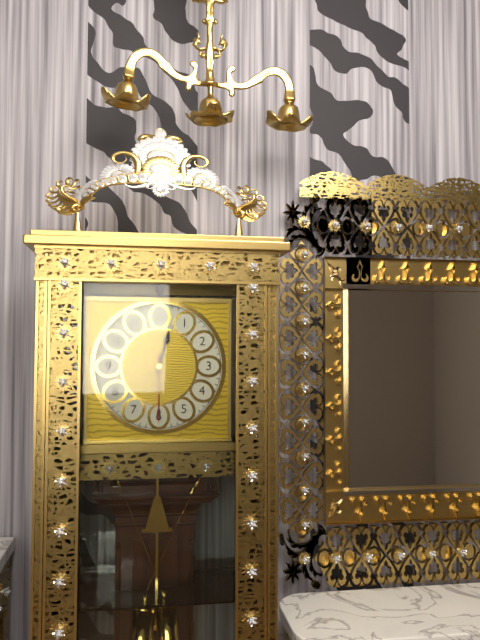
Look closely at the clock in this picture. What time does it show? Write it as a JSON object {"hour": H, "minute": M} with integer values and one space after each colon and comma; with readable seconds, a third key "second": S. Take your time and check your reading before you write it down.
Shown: {"hour": 12, "minute": 30, "second": 30}
